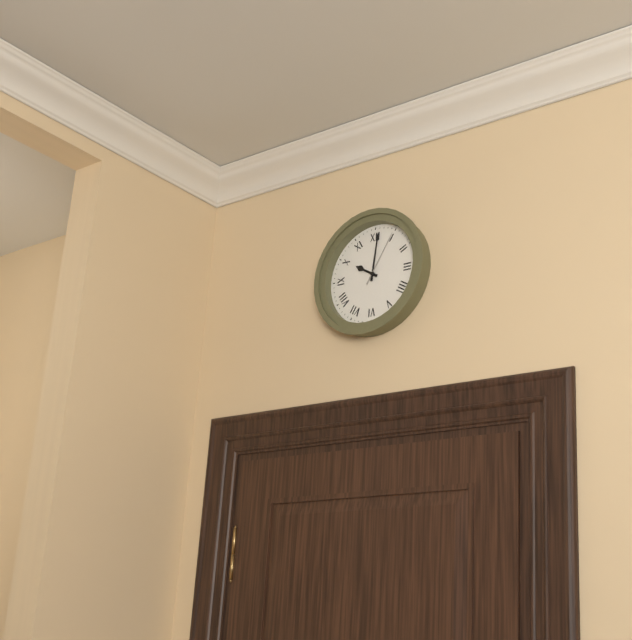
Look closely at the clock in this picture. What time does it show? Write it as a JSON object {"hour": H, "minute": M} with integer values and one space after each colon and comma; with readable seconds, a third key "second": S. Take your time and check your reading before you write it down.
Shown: {"hour": 10, "minute": 1, "second": 5}
